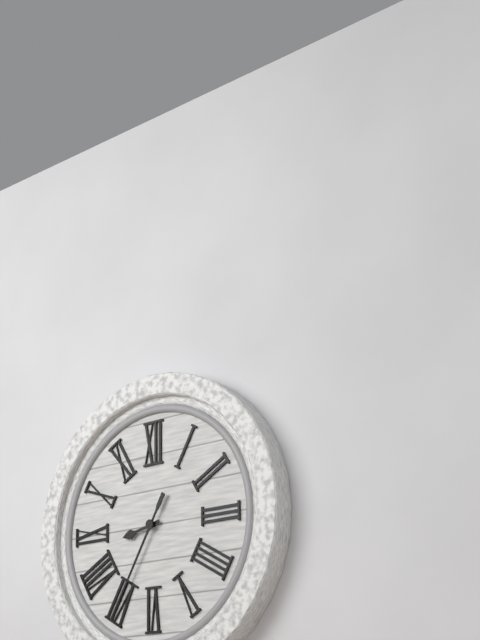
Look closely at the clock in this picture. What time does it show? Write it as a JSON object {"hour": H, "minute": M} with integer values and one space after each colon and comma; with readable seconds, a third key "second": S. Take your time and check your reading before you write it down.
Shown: {"hour": 8, "minute": 35}
